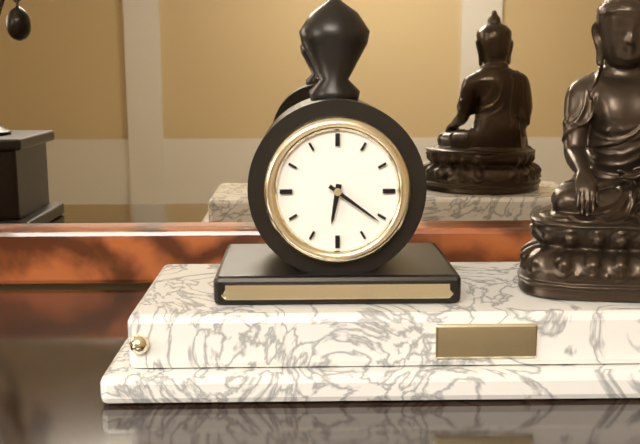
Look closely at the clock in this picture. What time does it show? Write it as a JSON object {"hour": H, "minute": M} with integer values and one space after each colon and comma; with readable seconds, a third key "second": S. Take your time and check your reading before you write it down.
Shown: {"hour": 6, "minute": 21}
